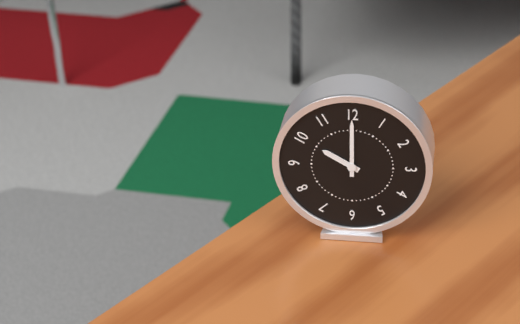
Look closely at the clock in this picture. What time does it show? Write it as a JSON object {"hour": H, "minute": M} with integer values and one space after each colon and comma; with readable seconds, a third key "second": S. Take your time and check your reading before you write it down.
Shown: {"hour": 10, "minute": 0}
